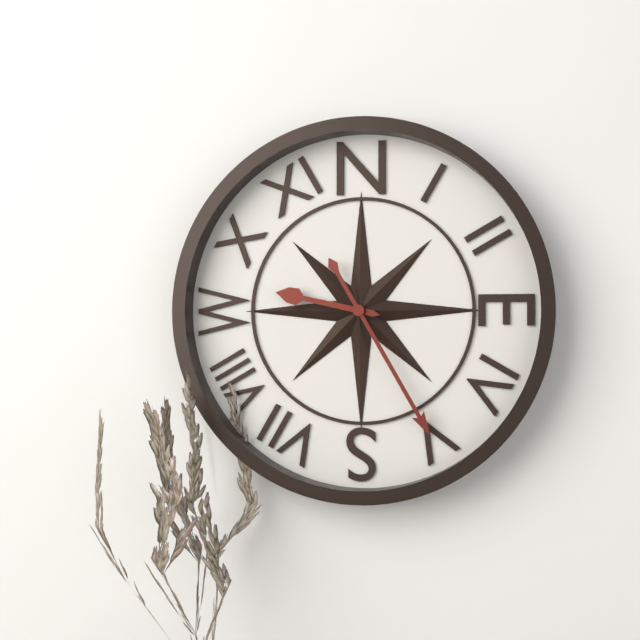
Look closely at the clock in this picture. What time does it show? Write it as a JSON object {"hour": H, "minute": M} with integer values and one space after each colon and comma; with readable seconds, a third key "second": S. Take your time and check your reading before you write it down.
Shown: {"hour": 9, "minute": 25}
